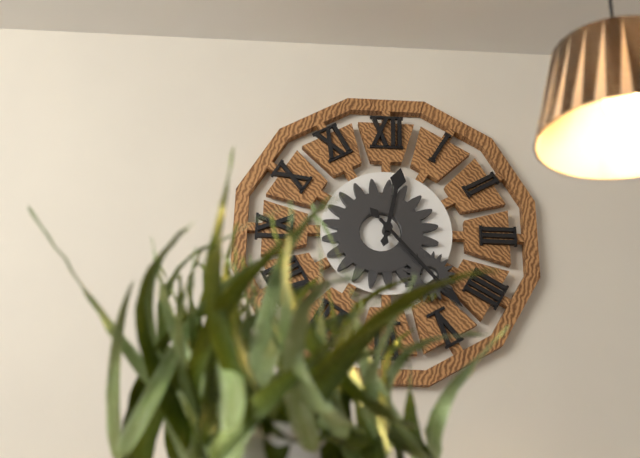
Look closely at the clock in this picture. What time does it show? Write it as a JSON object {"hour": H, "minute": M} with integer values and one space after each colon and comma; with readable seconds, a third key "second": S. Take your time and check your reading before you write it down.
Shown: {"hour": 12, "minute": 23}
